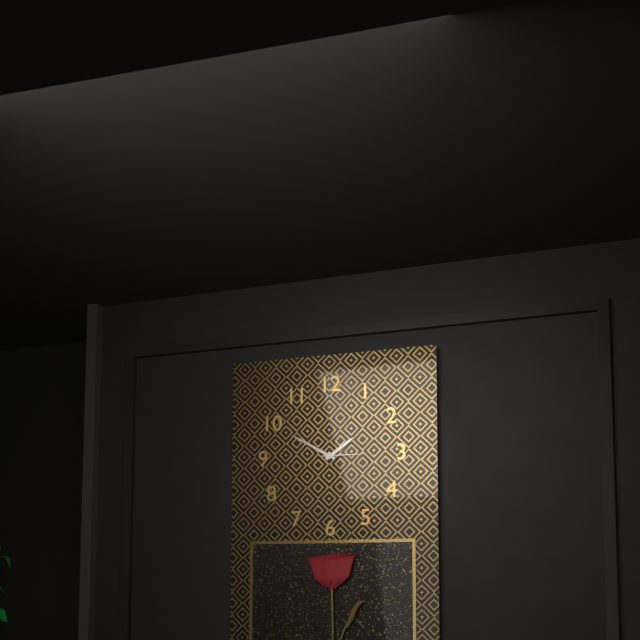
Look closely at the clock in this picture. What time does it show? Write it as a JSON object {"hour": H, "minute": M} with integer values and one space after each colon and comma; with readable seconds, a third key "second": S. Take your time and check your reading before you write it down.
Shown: {"hour": 1, "minute": 50}
